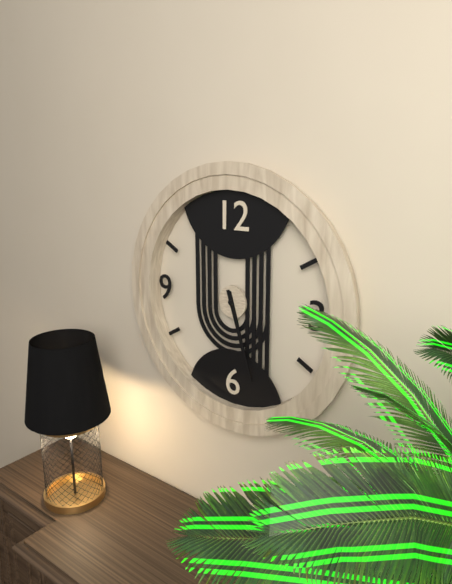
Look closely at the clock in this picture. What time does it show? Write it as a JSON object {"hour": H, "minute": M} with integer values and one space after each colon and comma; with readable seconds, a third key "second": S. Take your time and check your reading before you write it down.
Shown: {"hour": 5, "minute": 27}
